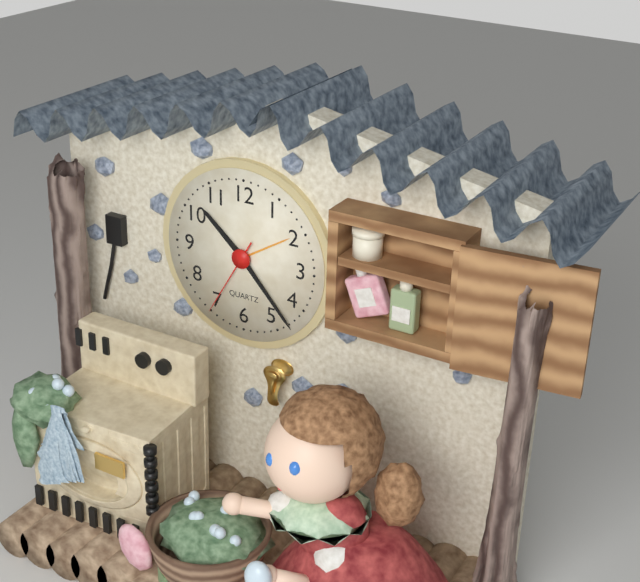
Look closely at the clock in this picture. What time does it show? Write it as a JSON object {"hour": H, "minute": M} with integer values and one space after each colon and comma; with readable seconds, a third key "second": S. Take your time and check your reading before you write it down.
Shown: {"hour": 10, "minute": 23, "second": 35}
